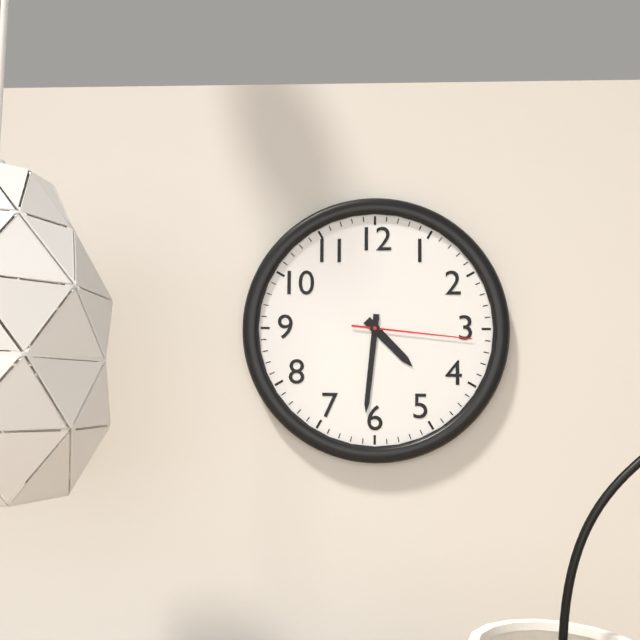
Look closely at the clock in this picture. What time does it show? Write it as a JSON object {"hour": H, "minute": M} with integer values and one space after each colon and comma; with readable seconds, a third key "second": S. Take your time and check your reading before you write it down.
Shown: {"hour": 4, "minute": 31, "second": 16}
